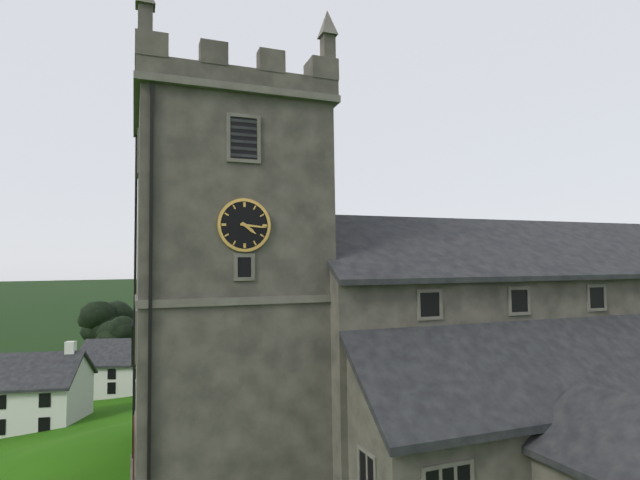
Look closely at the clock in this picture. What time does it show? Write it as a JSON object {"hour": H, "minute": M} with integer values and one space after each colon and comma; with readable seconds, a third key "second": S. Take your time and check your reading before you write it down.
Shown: {"hour": 4, "minute": 16}
